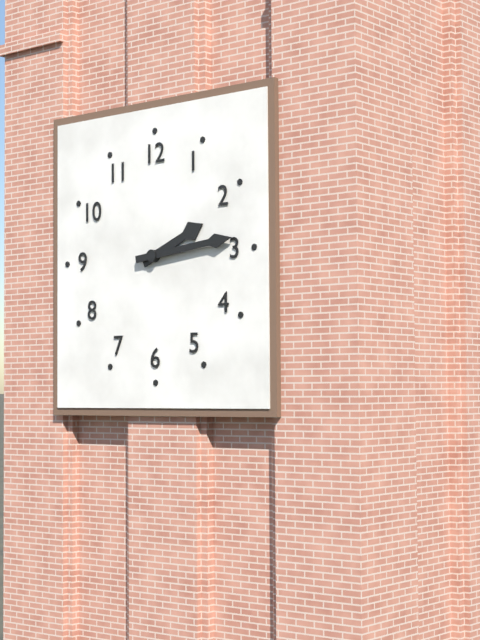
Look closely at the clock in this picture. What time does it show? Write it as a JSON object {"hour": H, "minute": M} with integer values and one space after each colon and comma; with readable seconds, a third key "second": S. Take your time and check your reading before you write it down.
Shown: {"hour": 2, "minute": 14}
